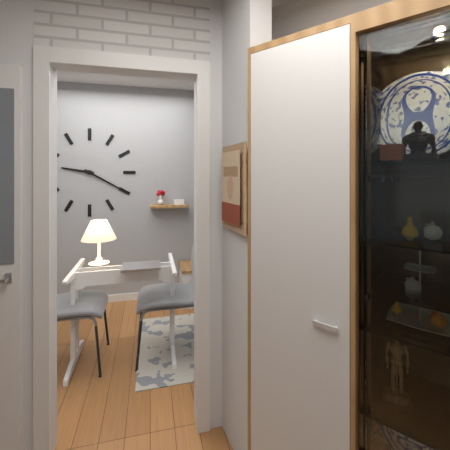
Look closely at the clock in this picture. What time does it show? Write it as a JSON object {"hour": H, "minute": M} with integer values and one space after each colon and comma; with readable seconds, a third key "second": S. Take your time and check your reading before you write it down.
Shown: {"hour": 9, "minute": 20}
